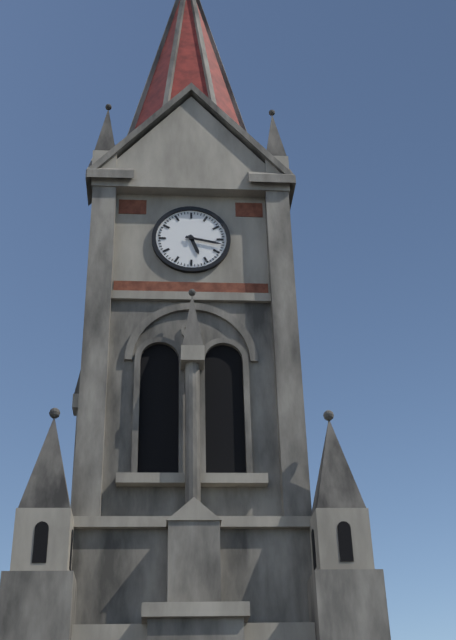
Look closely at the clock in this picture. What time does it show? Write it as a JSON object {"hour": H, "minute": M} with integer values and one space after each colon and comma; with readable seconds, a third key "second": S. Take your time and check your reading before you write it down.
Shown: {"hour": 5, "minute": 17}
